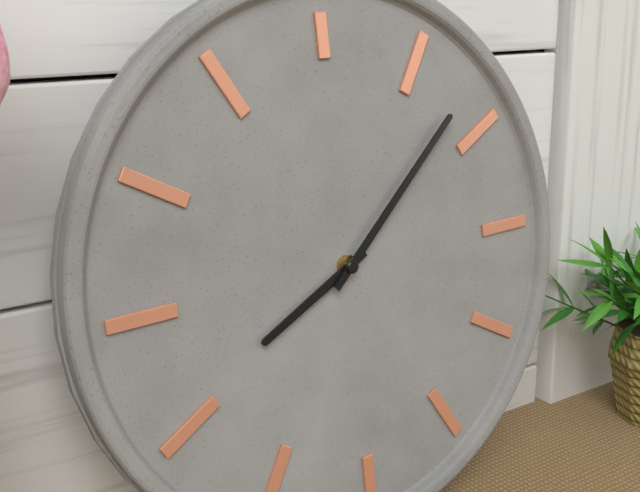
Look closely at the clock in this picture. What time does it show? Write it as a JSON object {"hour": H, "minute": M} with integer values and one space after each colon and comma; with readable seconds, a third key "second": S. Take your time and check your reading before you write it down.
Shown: {"hour": 8, "minute": 8}
